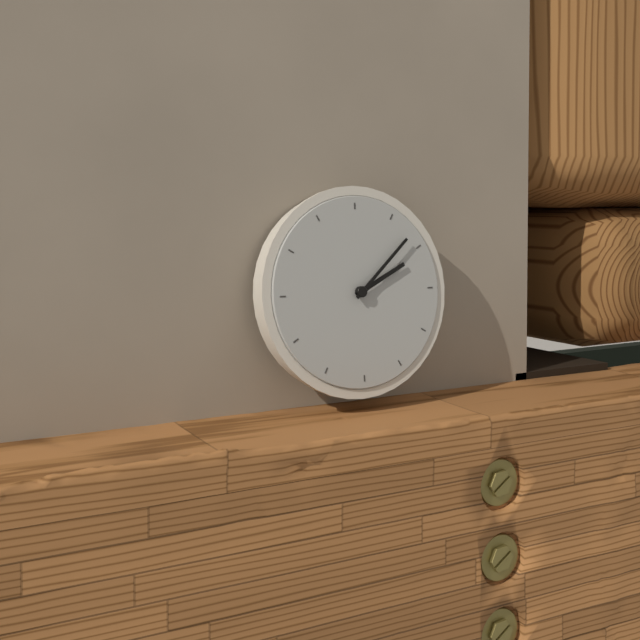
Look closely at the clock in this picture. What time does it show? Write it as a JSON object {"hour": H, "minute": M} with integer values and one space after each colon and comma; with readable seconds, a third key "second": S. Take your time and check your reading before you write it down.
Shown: {"hour": 2, "minute": 8}
